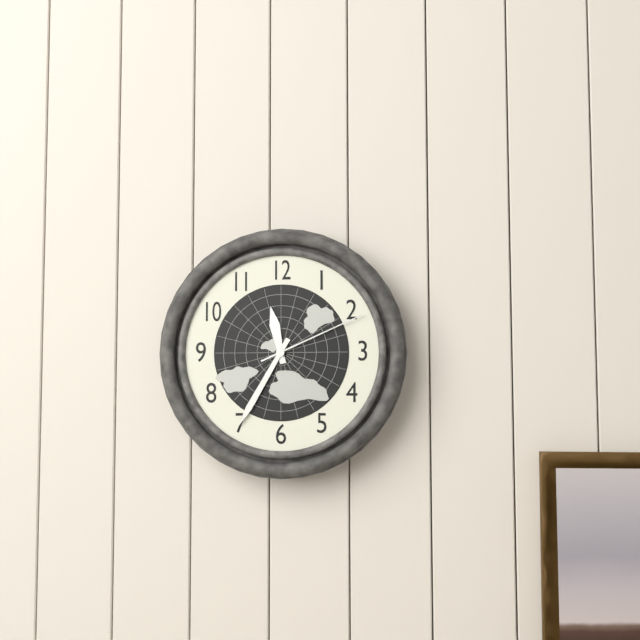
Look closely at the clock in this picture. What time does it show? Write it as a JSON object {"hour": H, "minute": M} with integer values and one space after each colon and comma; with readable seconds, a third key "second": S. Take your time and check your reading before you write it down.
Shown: {"hour": 11, "minute": 35, "second": 11}
